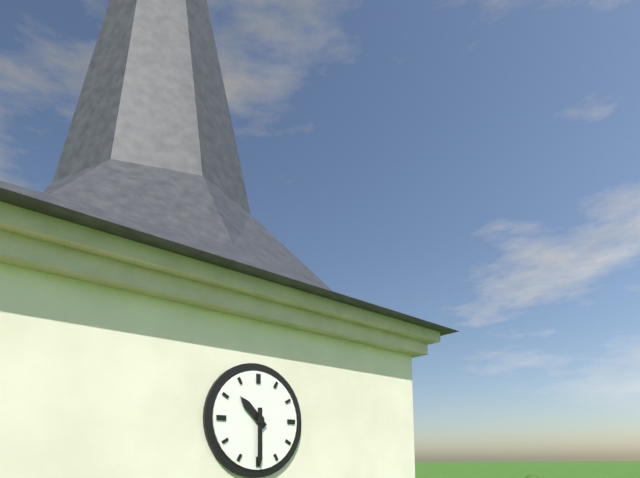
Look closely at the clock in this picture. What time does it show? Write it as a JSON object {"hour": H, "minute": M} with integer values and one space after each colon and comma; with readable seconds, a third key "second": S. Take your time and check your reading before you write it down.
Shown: {"hour": 10, "minute": 30}
